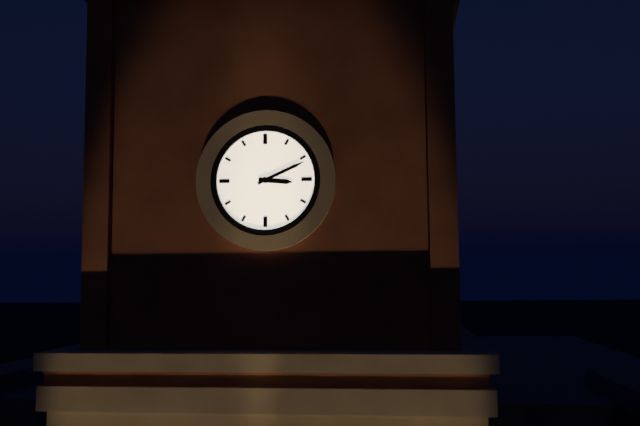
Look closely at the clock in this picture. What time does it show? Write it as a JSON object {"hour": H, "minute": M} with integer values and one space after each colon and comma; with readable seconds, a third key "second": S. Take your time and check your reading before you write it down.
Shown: {"hour": 3, "minute": 11}
